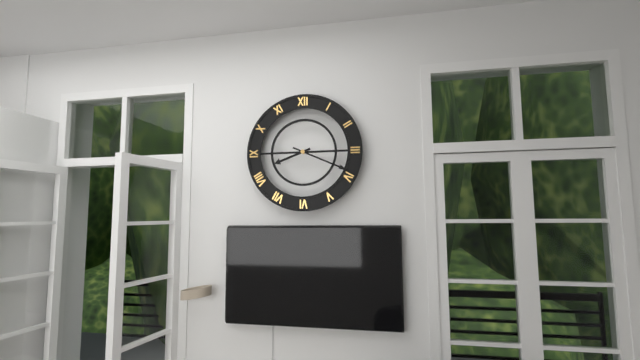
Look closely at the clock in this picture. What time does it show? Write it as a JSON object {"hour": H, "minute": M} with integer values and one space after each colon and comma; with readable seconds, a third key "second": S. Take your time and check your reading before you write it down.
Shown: {"hour": 8, "minute": 19}
